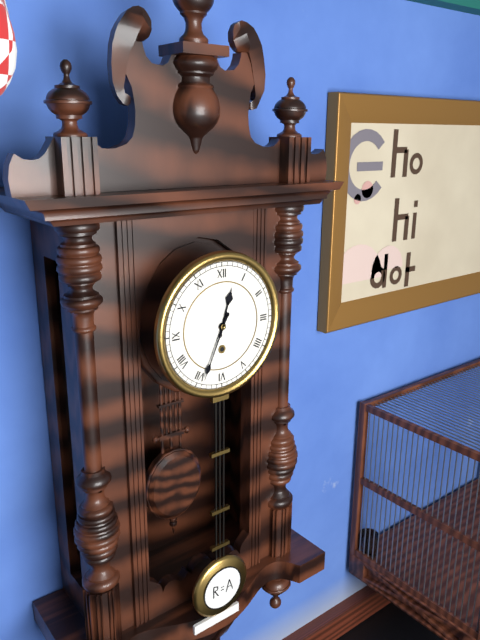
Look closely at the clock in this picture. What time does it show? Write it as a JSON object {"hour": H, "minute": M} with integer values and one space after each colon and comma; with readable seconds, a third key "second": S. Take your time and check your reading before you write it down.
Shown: {"hour": 12, "minute": 34}
